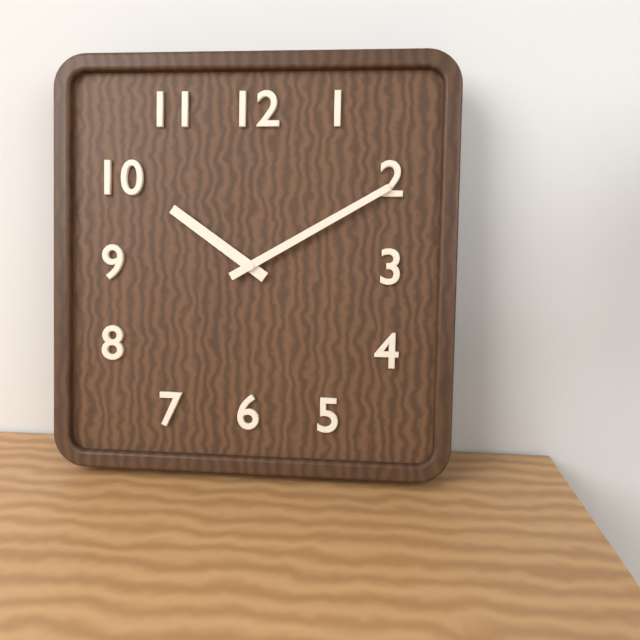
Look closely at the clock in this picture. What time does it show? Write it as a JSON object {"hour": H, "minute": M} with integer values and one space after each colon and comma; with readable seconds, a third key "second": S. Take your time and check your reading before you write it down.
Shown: {"hour": 10, "minute": 10}
